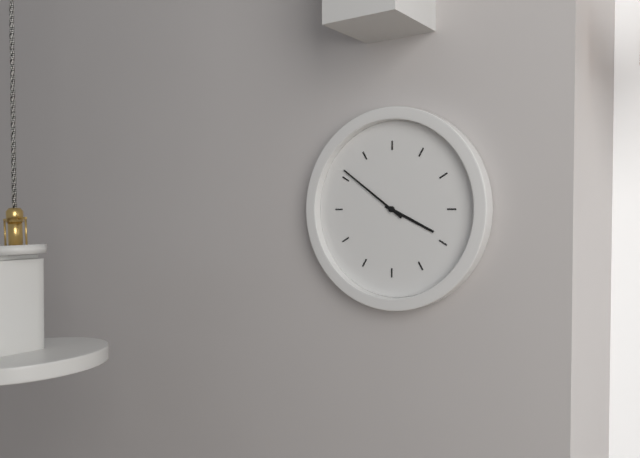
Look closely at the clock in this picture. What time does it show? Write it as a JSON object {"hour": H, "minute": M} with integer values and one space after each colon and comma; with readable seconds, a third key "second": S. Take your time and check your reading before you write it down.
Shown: {"hour": 3, "minute": 51}
